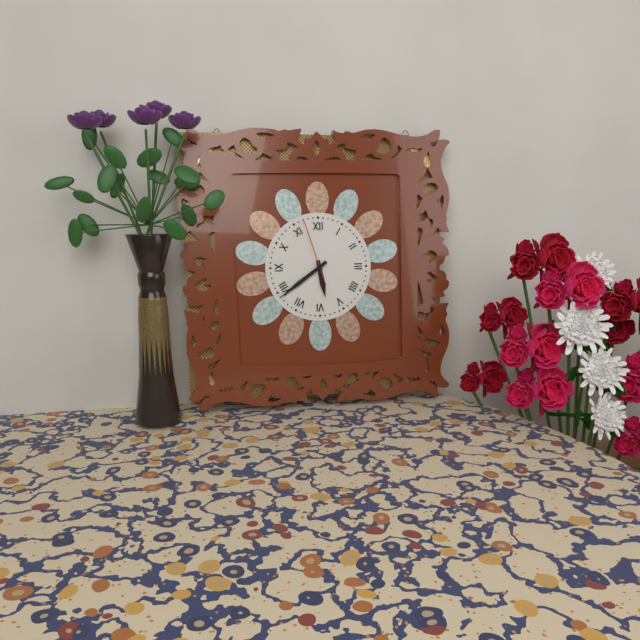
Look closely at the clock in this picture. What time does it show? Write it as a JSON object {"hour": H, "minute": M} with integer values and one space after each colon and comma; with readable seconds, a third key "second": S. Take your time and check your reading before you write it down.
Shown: {"hour": 5, "minute": 39, "second": 57}
